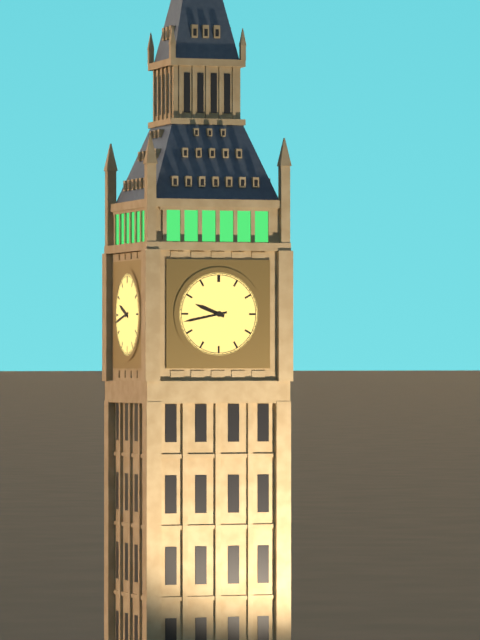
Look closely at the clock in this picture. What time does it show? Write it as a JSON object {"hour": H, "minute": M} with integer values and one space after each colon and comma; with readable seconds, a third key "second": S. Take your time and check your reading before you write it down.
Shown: {"hour": 9, "minute": 43}
